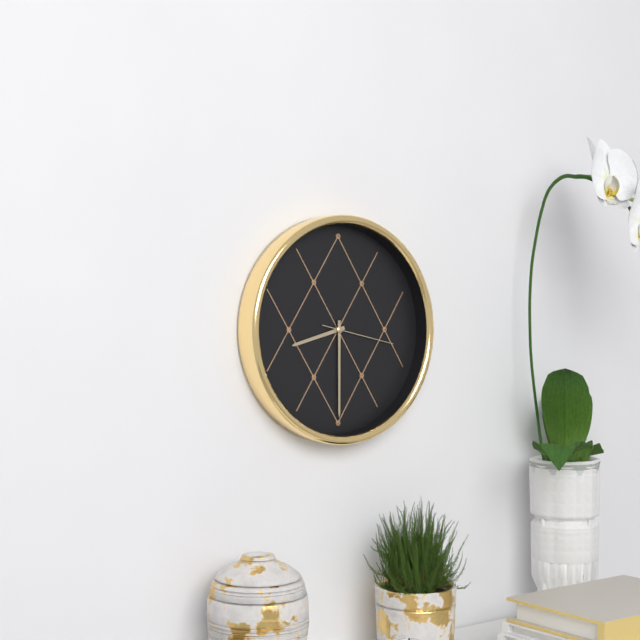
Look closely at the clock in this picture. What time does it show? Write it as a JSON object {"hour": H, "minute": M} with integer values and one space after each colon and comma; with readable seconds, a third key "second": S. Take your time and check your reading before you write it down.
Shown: {"hour": 8, "minute": 30, "second": 17}
